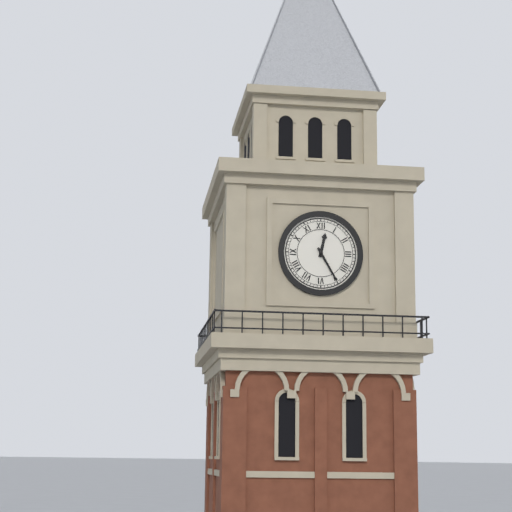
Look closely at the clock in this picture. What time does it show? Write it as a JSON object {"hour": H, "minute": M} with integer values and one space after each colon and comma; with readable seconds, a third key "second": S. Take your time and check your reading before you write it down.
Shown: {"hour": 12, "minute": 25}
